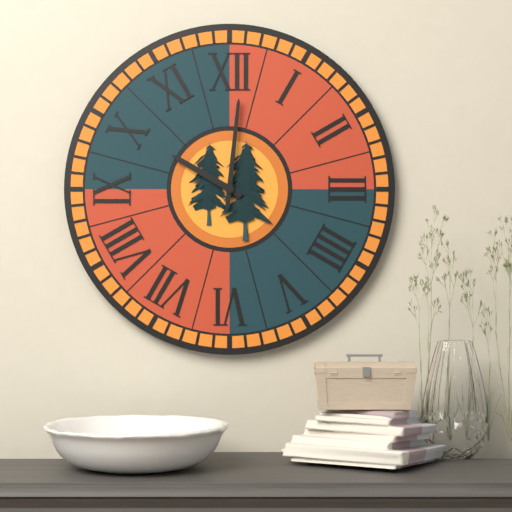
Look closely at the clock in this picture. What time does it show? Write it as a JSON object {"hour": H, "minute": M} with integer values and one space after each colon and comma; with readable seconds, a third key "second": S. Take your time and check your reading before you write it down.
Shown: {"hour": 10, "minute": 1}
